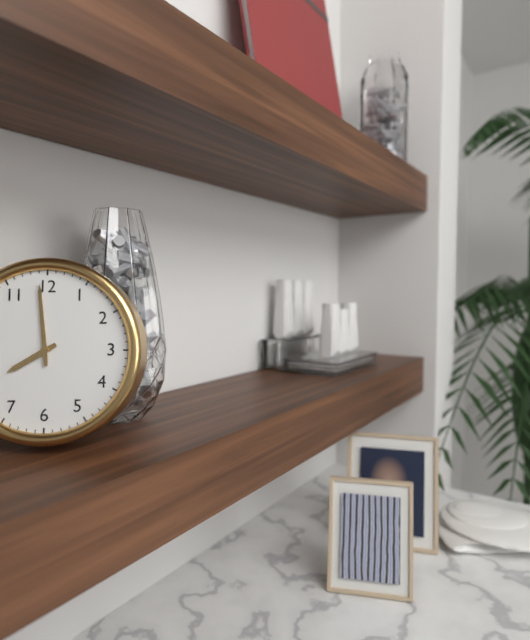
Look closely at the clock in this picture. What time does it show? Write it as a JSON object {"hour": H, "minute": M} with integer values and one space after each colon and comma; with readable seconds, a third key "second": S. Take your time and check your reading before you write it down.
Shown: {"hour": 7, "minute": 59}
